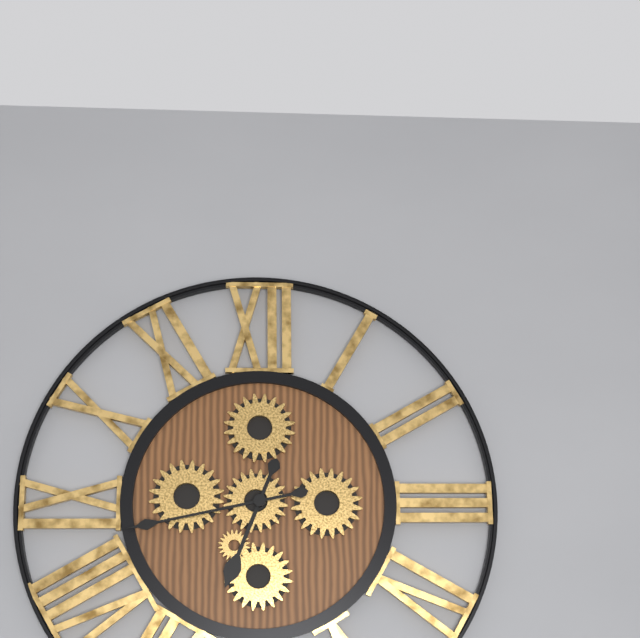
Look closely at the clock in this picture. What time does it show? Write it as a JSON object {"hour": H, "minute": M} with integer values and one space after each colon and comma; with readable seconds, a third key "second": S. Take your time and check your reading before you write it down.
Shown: {"hour": 6, "minute": 43}
